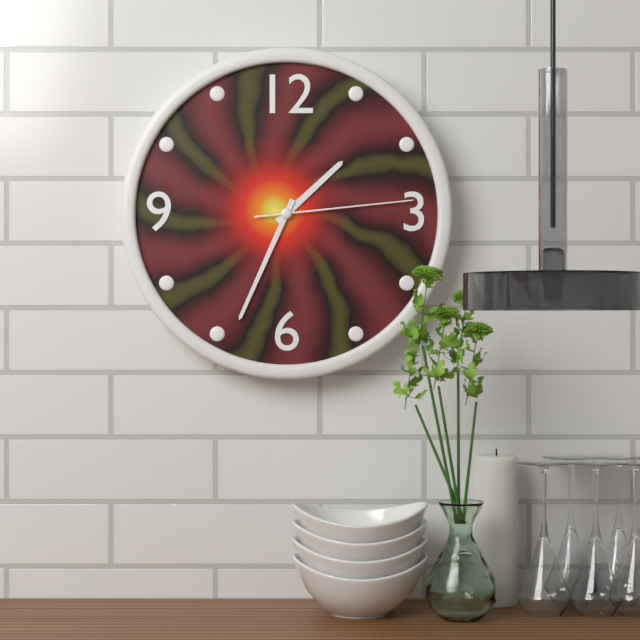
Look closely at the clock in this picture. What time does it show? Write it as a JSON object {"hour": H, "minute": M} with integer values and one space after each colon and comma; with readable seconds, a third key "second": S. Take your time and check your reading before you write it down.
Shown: {"hour": 1, "minute": 34, "second": 14}
